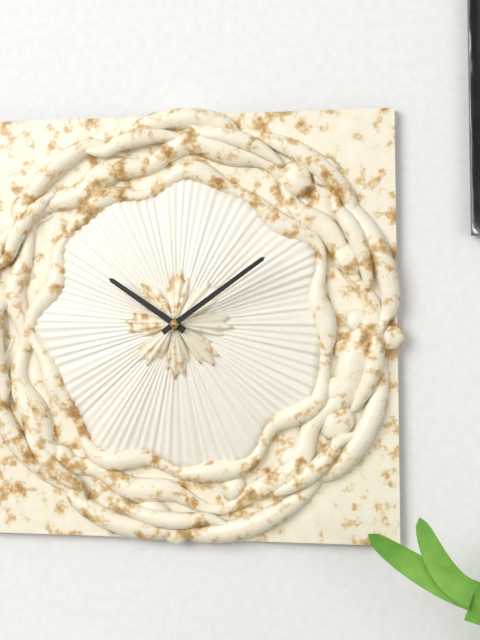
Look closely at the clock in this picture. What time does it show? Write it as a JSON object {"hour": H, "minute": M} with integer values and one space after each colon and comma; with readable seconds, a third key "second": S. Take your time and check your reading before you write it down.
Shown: {"hour": 10, "minute": 9}
